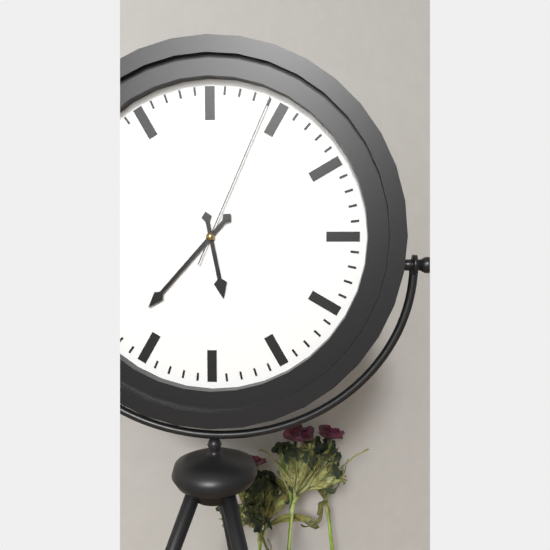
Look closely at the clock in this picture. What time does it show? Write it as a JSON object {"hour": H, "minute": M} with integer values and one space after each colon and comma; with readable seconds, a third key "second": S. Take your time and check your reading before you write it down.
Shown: {"hour": 5, "minute": 37, "second": 4}
